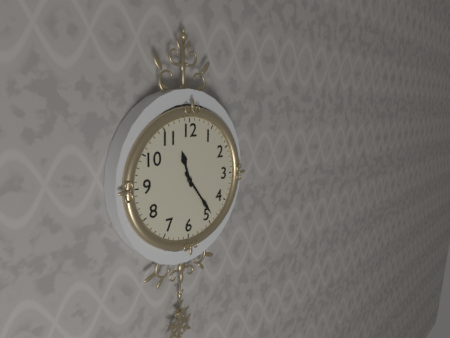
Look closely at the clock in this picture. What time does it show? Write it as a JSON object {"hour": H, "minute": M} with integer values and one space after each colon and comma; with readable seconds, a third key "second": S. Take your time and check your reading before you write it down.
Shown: {"hour": 11, "minute": 24}
